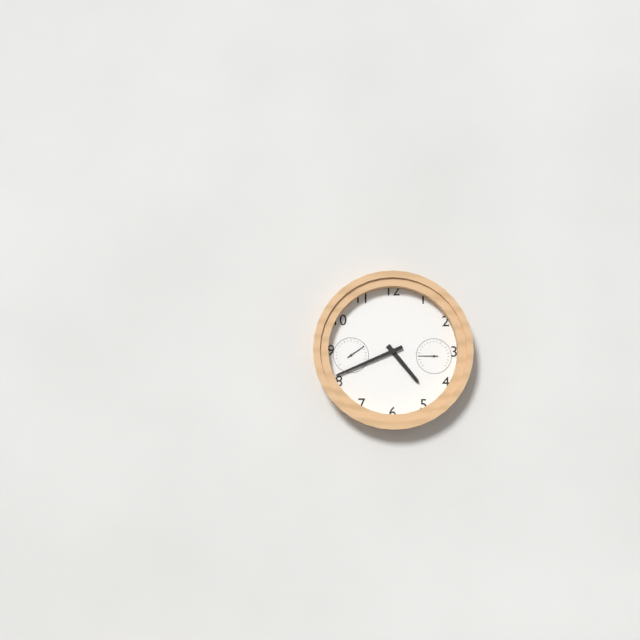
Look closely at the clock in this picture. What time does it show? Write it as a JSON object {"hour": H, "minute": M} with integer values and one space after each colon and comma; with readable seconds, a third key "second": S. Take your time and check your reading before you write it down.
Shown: {"hour": 4, "minute": 41}
